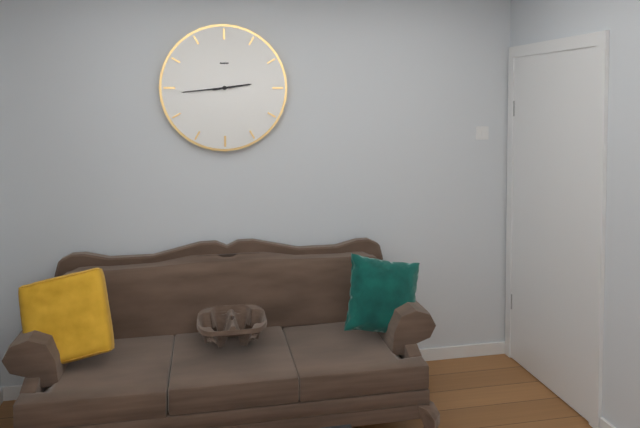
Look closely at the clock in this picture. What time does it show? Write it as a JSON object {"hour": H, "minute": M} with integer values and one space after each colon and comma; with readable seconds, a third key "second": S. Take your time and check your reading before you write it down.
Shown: {"hour": 2, "minute": 44}
